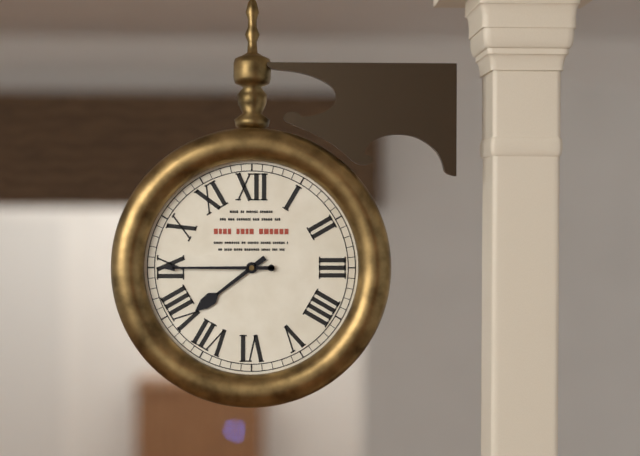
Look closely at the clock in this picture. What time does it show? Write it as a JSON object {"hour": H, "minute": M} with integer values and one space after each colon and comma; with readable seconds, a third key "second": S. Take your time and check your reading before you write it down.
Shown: {"hour": 7, "minute": 45}
